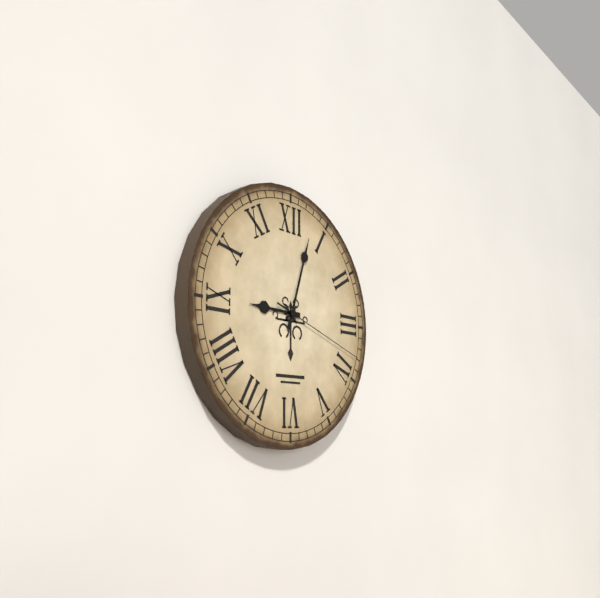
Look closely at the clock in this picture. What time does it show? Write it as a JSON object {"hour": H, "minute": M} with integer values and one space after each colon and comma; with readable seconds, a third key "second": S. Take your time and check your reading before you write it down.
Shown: {"hour": 9, "minute": 3, "second": 18}
